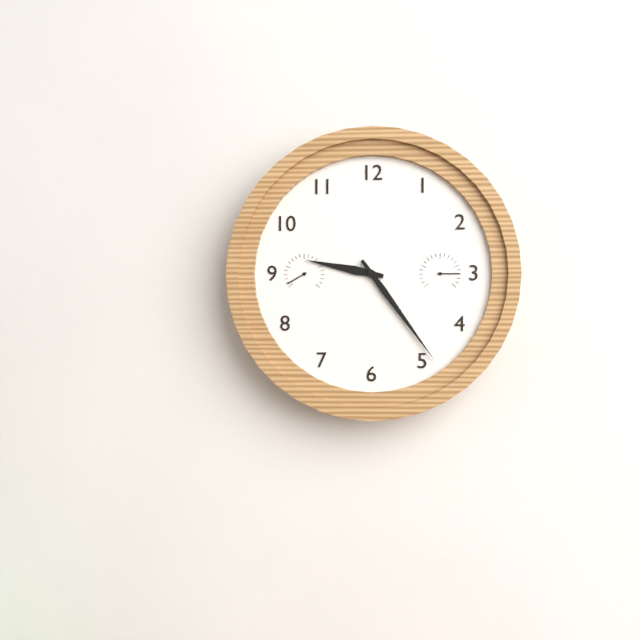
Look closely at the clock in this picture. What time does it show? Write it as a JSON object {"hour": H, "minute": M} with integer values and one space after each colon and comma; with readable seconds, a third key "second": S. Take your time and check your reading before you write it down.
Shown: {"hour": 9, "minute": 24}
